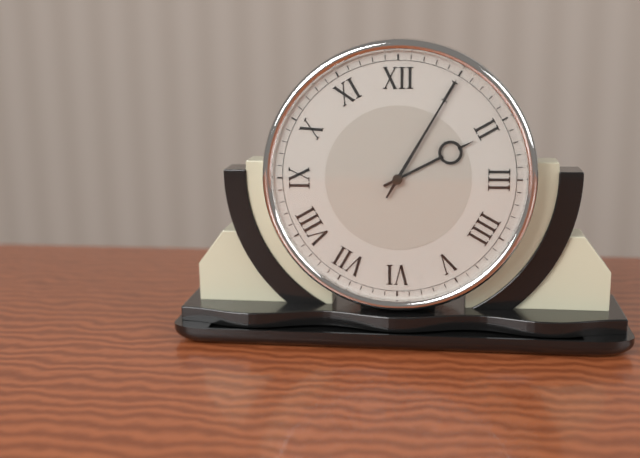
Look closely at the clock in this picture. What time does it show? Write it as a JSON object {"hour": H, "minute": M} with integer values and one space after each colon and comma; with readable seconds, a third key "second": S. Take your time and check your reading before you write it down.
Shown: {"hour": 2, "minute": 5}
